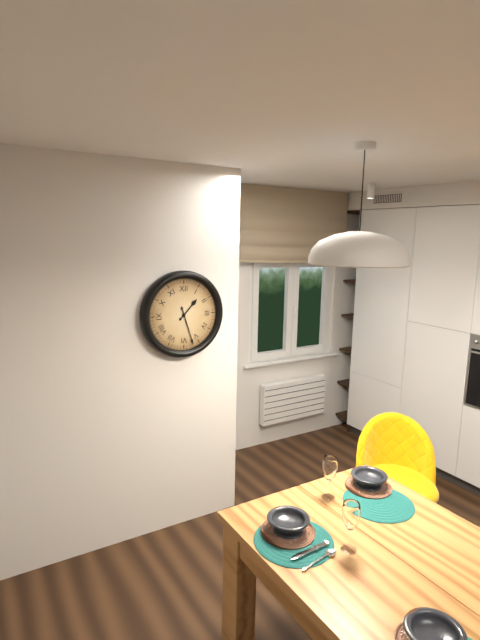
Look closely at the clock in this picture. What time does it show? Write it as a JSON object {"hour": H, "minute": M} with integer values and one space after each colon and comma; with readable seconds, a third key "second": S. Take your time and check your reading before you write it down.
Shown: {"hour": 1, "minute": 27}
